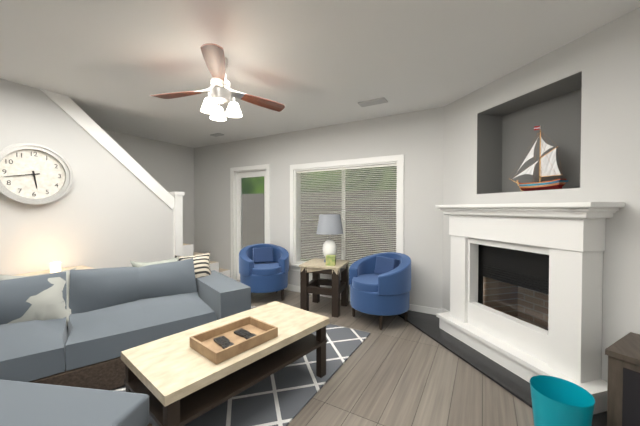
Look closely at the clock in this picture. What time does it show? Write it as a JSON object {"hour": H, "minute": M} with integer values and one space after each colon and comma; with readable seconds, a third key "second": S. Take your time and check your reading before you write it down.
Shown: {"hour": 5, "minute": 43}
